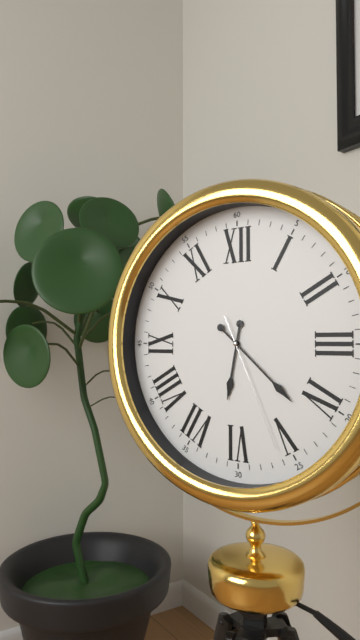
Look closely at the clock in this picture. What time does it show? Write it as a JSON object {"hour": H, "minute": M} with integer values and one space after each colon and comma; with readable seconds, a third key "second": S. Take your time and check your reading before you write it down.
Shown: {"hour": 6, "minute": 22, "second": 26}
